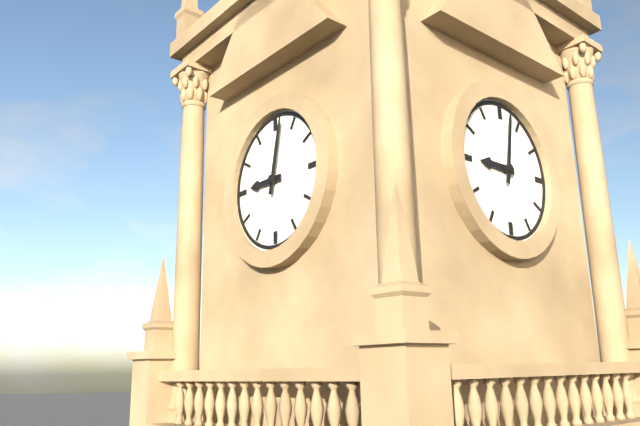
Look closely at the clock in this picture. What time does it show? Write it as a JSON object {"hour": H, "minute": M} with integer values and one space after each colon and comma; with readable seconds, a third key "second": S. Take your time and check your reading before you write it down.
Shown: {"hour": 9, "minute": 2}
